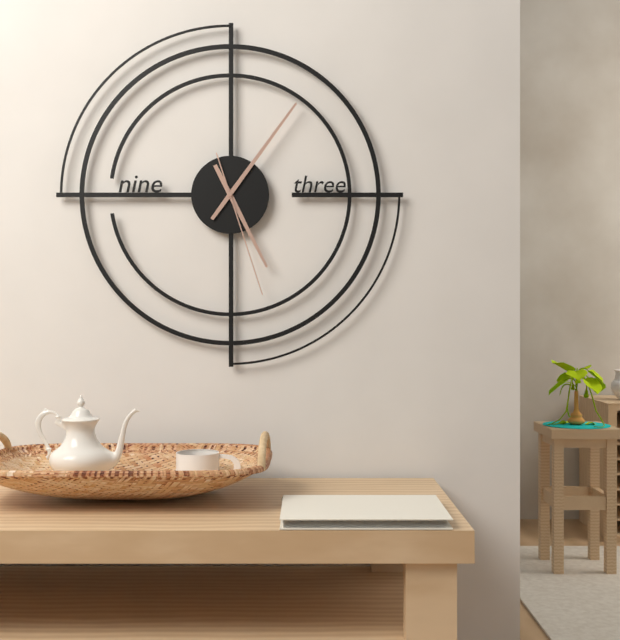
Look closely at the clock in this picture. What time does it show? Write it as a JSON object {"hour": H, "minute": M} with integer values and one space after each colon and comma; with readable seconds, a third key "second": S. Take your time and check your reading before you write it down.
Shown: {"hour": 5, "minute": 6, "second": 27}
